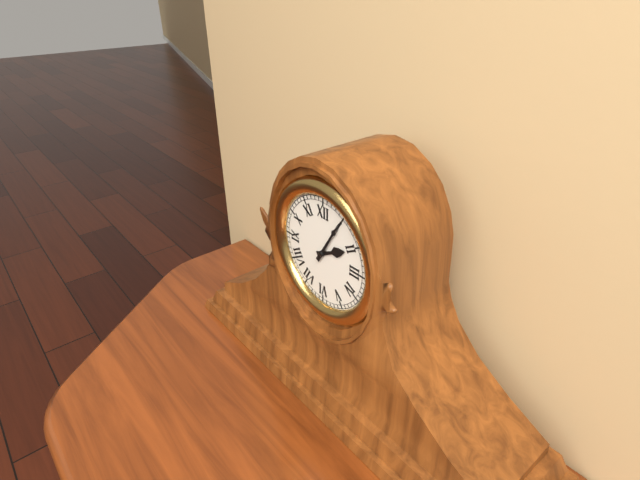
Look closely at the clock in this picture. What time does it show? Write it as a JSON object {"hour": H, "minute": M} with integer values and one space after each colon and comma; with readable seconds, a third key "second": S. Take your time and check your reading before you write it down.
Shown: {"hour": 2, "minute": 5}
